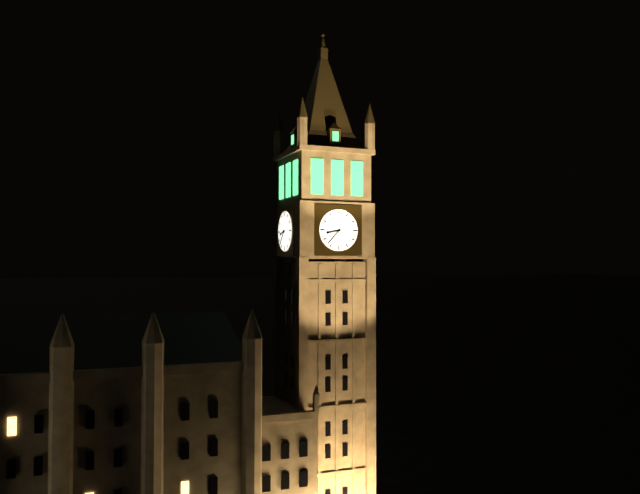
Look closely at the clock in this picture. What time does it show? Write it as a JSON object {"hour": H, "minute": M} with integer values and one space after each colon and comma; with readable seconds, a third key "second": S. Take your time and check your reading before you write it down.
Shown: {"hour": 8, "minute": 37}
